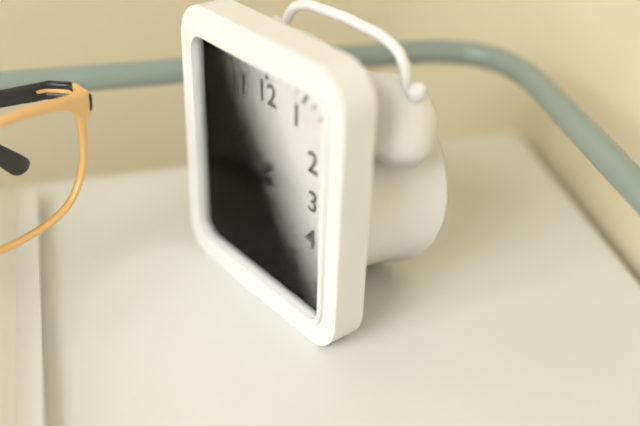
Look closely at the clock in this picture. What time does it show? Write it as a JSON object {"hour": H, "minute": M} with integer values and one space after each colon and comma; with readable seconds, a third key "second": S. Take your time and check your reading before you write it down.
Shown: {"hour": 10, "minute": 35, "second": 29}
